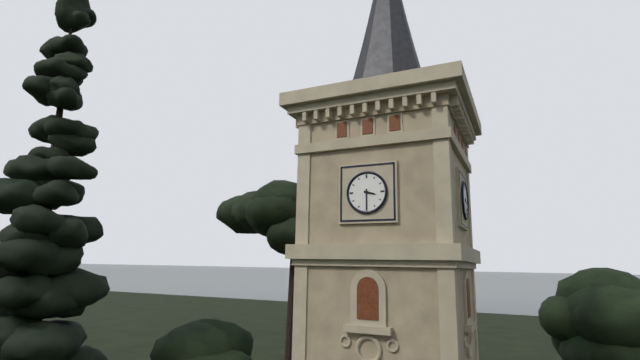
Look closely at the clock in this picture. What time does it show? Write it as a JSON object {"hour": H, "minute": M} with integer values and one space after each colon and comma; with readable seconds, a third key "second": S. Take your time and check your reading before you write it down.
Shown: {"hour": 3, "minute": 30}
